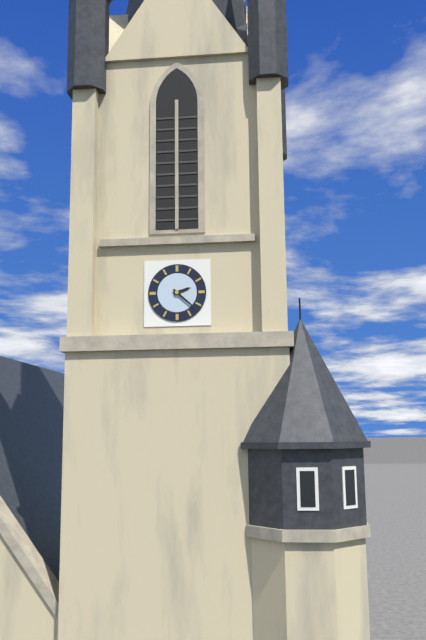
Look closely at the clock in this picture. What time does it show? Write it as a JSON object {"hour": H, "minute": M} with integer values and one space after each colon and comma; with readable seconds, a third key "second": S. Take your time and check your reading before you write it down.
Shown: {"hour": 2, "minute": 22}
